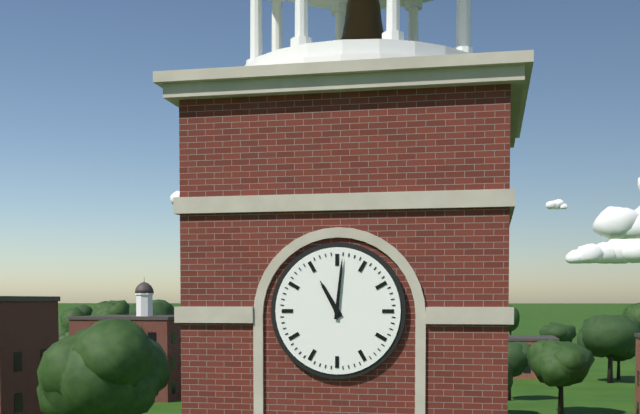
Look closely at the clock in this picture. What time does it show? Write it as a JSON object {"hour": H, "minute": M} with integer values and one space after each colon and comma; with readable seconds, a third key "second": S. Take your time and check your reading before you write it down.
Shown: {"hour": 11, "minute": 1}
